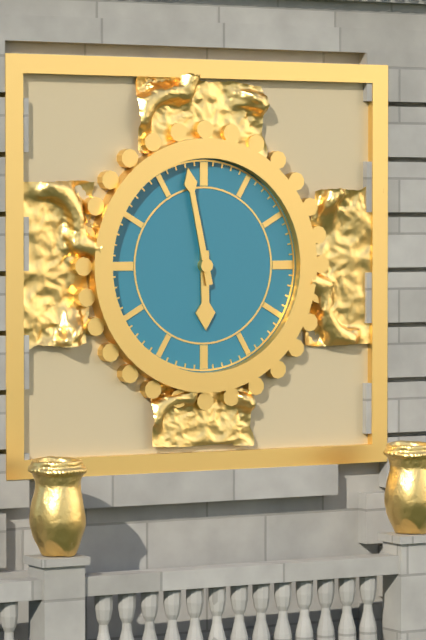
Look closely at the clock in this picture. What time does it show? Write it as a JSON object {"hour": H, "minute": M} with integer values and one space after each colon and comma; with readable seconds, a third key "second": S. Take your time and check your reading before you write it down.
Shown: {"hour": 5, "minute": 58}
